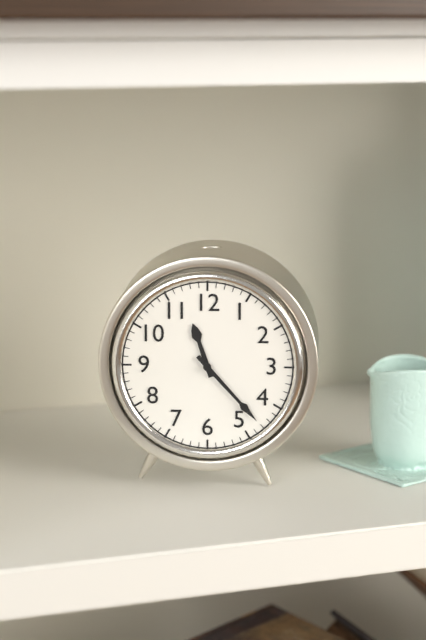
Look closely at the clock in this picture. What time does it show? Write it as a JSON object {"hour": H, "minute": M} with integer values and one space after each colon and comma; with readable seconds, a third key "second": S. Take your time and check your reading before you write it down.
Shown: {"hour": 11, "minute": 23}
